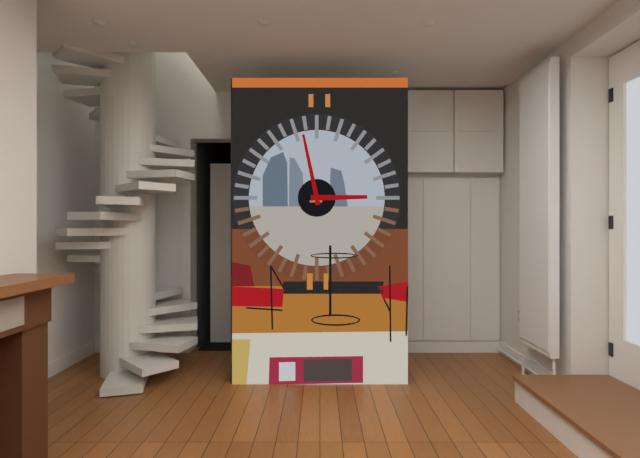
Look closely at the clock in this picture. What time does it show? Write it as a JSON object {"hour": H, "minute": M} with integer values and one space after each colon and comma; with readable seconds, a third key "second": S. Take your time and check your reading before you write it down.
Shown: {"hour": 2, "minute": 58}
